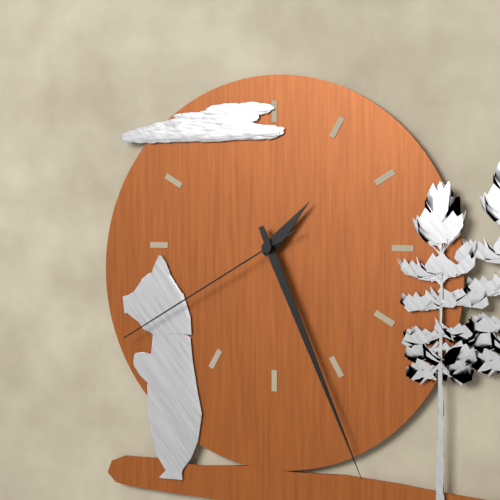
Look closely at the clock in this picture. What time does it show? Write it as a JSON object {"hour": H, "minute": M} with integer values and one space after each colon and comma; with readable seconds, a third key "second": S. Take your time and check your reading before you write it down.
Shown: {"hour": 1, "minute": 26, "second": 40}
